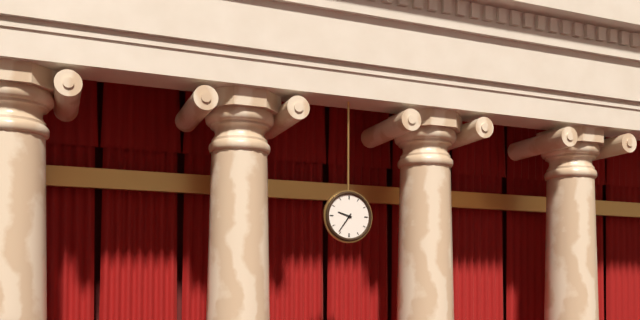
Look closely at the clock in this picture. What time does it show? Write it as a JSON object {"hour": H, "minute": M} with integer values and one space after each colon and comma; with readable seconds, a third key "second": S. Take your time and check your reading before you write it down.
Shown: {"hour": 9, "minute": 36}
